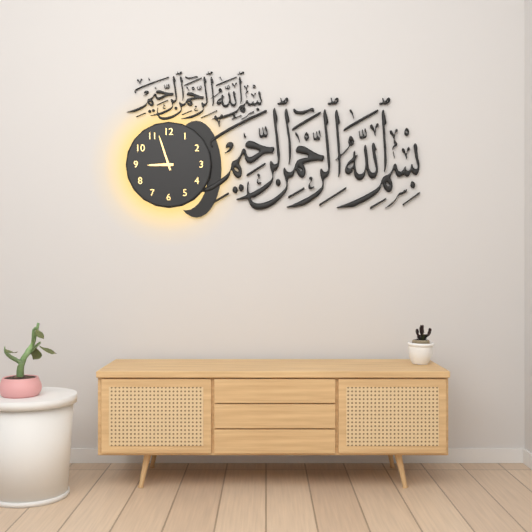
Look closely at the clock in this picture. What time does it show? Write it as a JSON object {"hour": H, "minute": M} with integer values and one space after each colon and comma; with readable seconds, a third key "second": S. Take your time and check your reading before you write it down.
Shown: {"hour": 8, "minute": 57}
